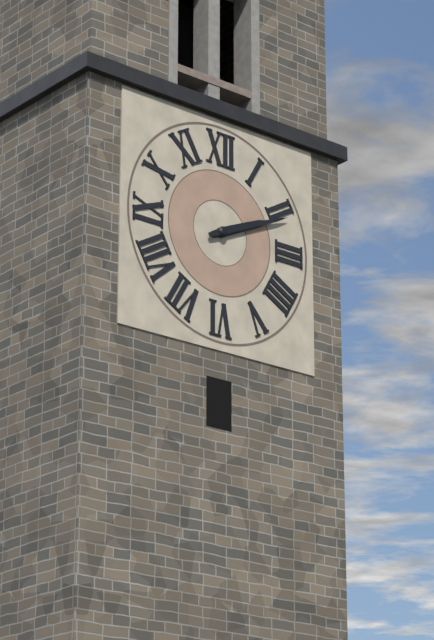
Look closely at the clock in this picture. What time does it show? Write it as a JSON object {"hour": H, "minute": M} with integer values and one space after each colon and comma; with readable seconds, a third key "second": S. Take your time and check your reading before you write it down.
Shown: {"hour": 2, "minute": 11}
